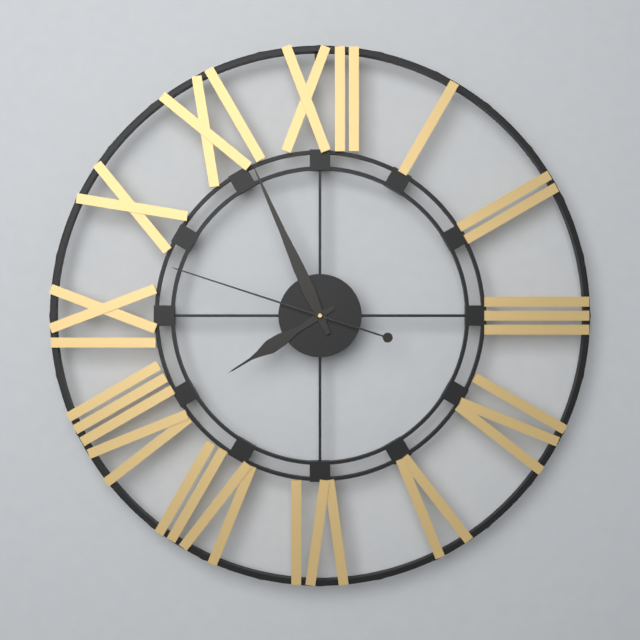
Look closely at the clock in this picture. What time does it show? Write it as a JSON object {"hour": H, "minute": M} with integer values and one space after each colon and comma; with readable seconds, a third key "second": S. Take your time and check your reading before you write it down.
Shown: {"hour": 7, "minute": 56, "second": 48}
